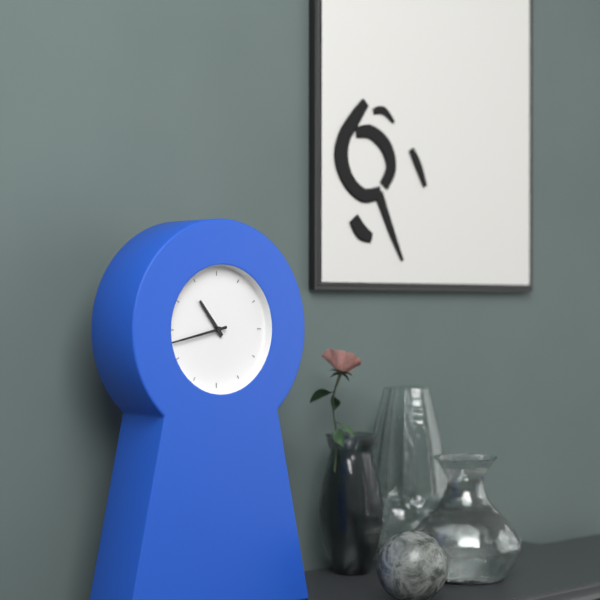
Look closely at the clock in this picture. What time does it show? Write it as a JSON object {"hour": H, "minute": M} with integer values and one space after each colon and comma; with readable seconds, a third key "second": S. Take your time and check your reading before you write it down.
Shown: {"hour": 10, "minute": 43}
